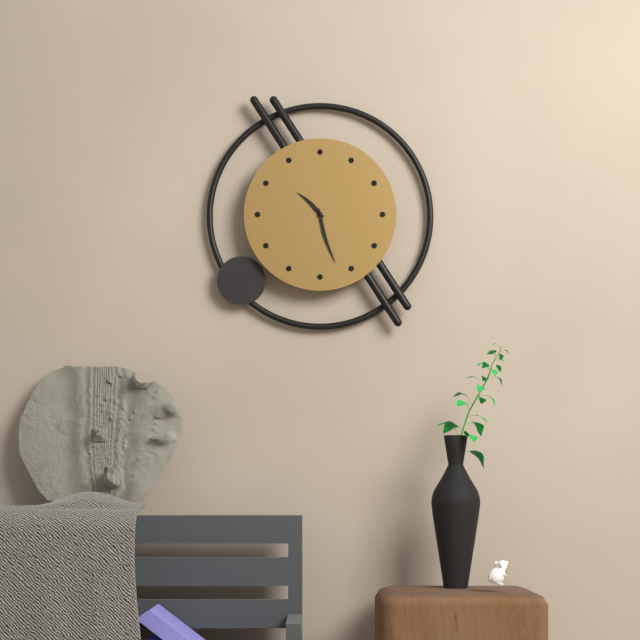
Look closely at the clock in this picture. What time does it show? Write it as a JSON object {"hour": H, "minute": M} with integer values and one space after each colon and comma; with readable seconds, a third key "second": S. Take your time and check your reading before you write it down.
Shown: {"hour": 10, "minute": 27}
